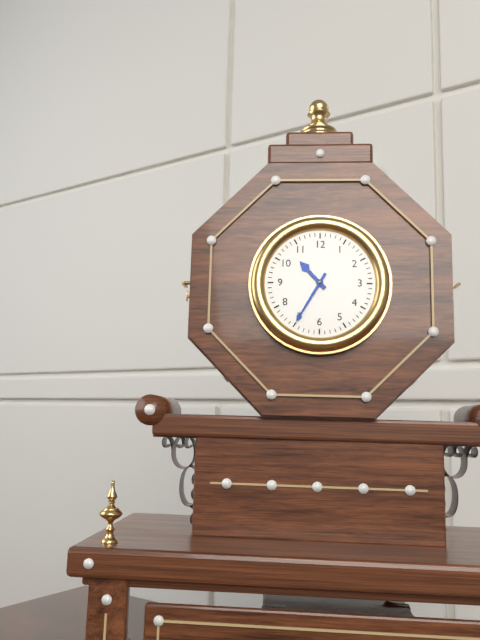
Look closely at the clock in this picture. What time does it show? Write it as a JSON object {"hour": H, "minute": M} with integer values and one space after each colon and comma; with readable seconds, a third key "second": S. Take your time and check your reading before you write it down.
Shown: {"hour": 10, "minute": 35}
